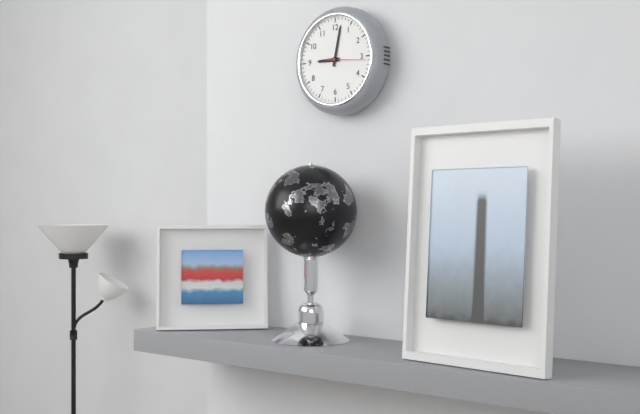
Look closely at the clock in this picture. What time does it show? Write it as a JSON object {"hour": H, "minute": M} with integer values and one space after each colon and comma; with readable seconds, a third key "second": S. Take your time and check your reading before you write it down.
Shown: {"hour": 9, "minute": 2}
